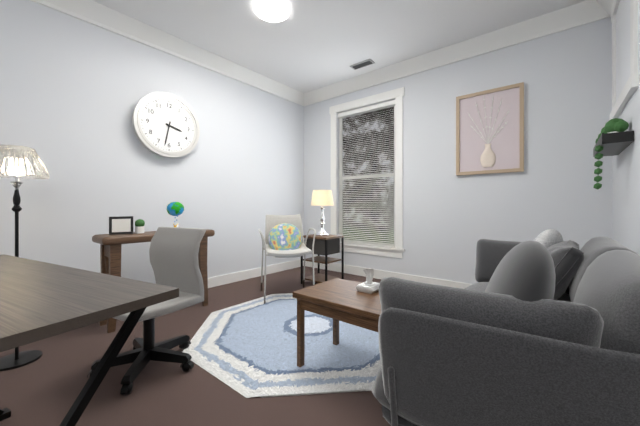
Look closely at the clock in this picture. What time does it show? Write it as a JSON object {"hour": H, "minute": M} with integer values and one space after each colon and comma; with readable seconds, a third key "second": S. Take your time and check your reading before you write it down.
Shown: {"hour": 3, "minute": 32}
